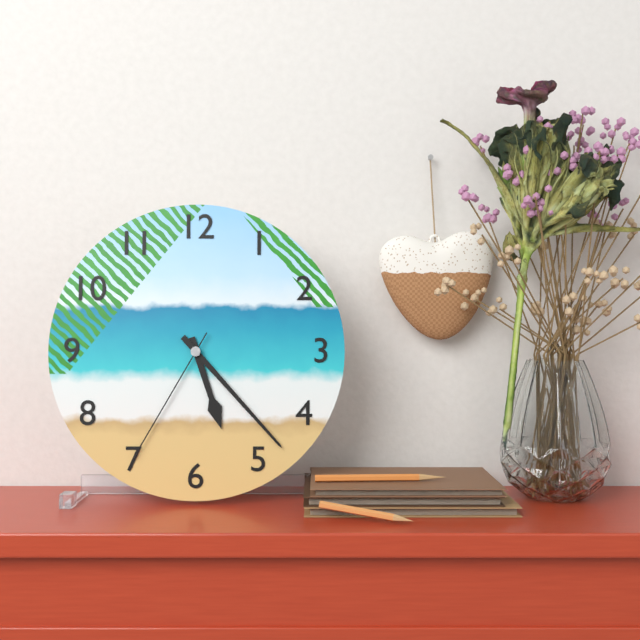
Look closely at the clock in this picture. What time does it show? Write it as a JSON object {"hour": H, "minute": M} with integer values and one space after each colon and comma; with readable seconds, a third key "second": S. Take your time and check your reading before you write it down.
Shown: {"hour": 5, "minute": 23, "second": 35}
